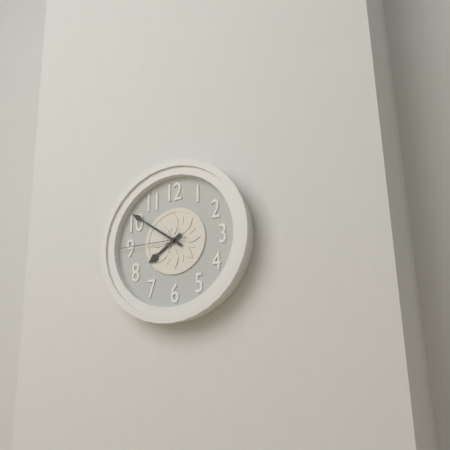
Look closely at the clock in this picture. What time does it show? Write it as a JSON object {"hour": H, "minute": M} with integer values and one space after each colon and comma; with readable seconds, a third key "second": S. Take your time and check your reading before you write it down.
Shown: {"hour": 7, "minute": 51, "second": 45}
